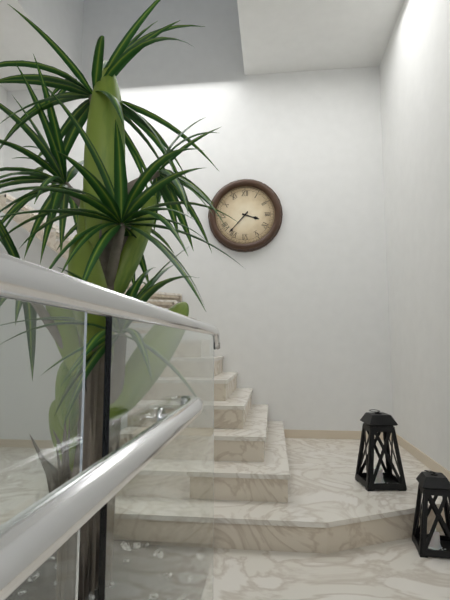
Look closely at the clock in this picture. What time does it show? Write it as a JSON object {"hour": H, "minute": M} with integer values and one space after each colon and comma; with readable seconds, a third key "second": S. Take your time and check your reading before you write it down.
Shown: {"hour": 3, "minute": 37}
